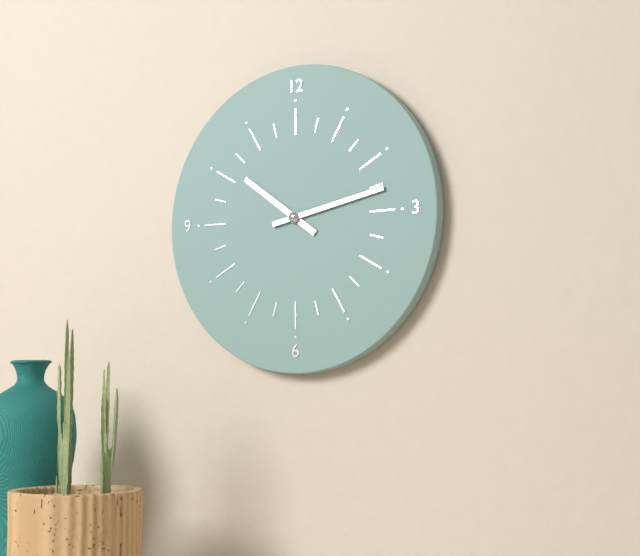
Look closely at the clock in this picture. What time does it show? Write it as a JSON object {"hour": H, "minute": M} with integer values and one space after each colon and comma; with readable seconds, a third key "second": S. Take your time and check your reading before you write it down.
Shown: {"hour": 10, "minute": 13}
